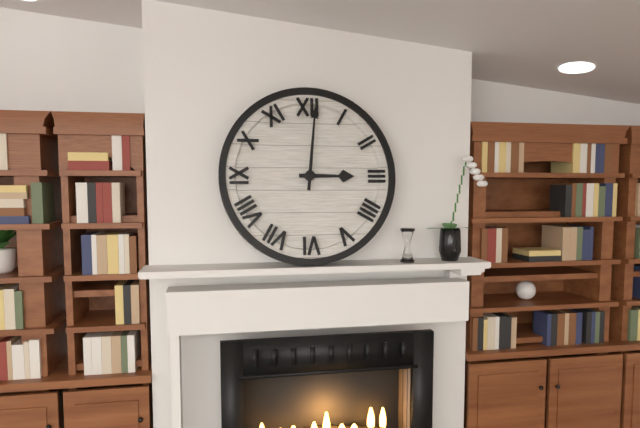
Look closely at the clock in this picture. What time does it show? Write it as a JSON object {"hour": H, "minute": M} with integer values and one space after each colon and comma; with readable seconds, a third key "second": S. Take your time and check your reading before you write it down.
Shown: {"hour": 3, "minute": 1}
